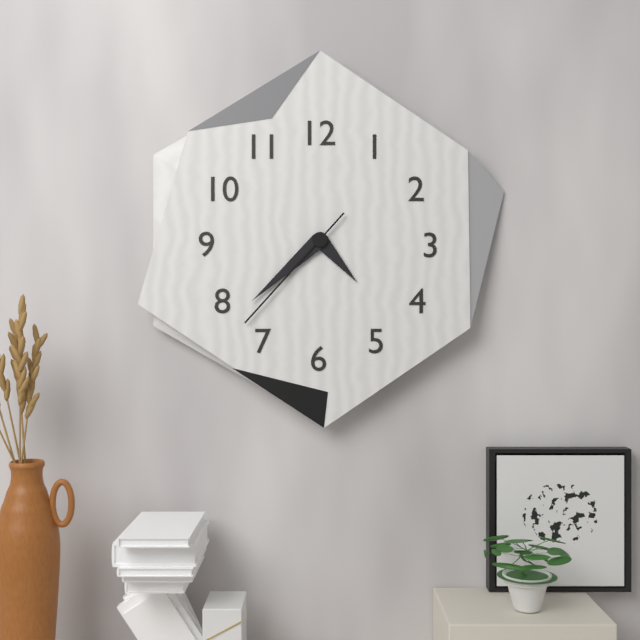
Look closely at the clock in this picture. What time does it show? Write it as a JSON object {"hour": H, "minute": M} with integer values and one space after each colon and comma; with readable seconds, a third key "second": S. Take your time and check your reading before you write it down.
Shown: {"hour": 4, "minute": 38, "second": 37}
